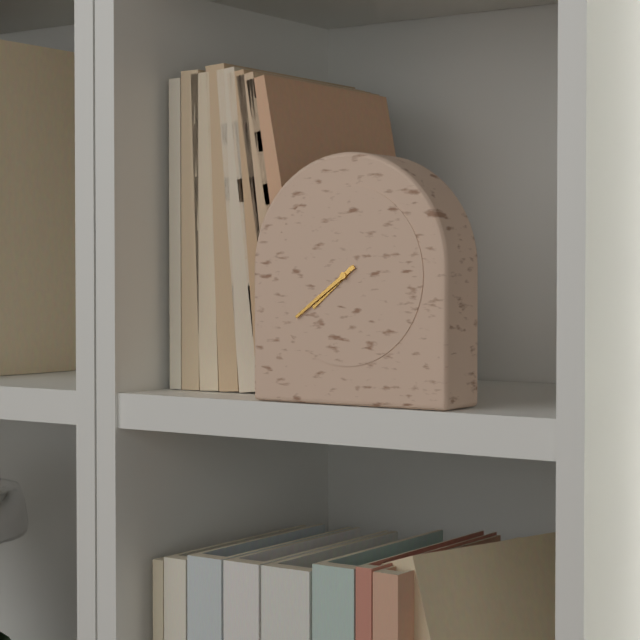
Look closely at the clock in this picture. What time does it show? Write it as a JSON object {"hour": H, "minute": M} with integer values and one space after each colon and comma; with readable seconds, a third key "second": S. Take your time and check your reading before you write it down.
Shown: {"hour": 7, "minute": 39}
